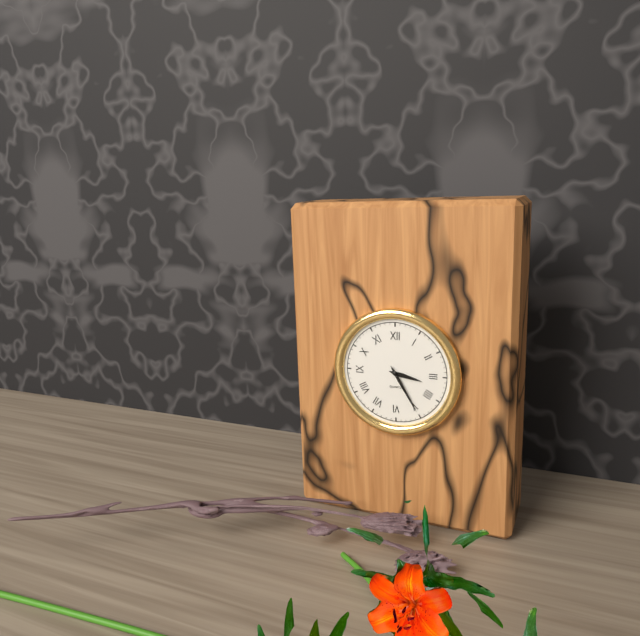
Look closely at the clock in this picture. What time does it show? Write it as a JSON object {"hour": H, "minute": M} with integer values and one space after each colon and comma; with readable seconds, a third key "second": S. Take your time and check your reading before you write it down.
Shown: {"hour": 3, "minute": 25}
